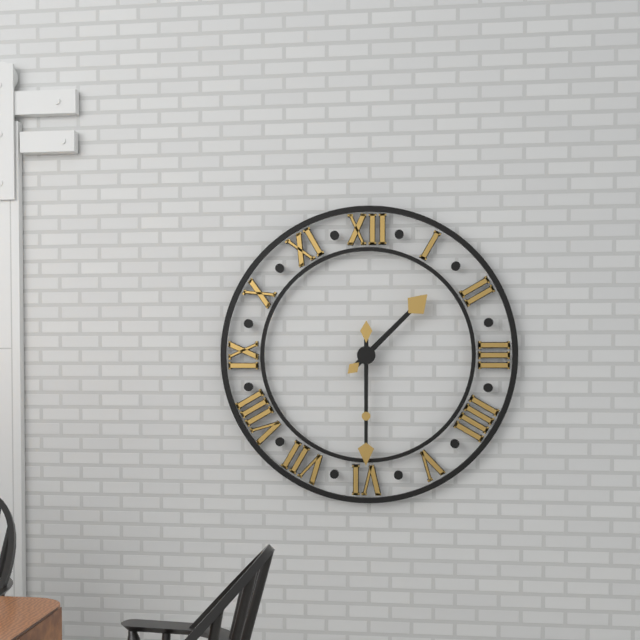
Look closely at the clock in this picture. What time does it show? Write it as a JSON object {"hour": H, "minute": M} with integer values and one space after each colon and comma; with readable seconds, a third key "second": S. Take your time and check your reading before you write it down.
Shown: {"hour": 1, "minute": 30}
